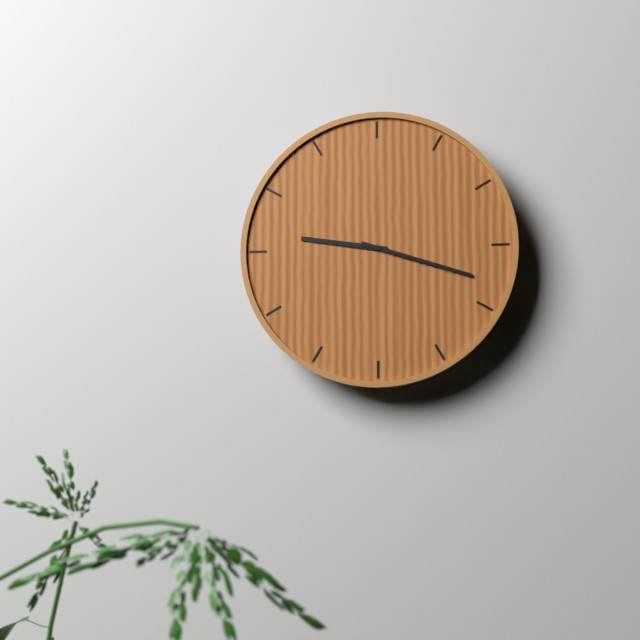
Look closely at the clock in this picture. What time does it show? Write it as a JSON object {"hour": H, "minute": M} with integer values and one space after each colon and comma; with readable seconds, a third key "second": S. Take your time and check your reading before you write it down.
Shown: {"hour": 9, "minute": 18}
